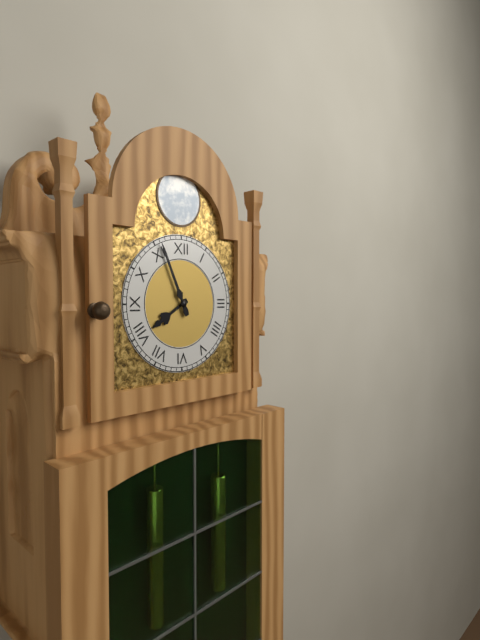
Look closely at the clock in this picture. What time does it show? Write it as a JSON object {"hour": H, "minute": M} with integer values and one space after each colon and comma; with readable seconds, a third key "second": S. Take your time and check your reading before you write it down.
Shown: {"hour": 7, "minute": 56}
